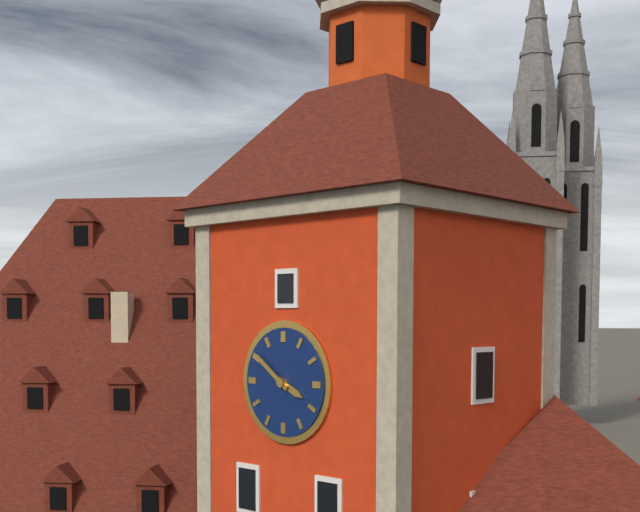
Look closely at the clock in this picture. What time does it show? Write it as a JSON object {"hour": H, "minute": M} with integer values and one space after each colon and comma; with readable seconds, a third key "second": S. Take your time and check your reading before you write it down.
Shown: {"hour": 3, "minute": 51}
